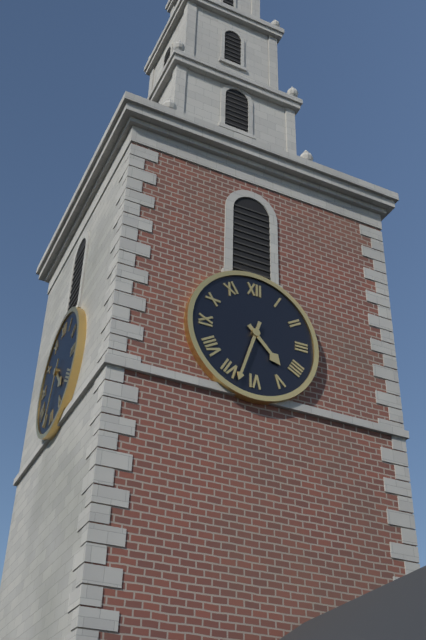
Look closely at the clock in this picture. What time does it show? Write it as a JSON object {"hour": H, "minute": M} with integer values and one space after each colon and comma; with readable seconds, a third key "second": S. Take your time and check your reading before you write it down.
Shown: {"hour": 4, "minute": 33}
